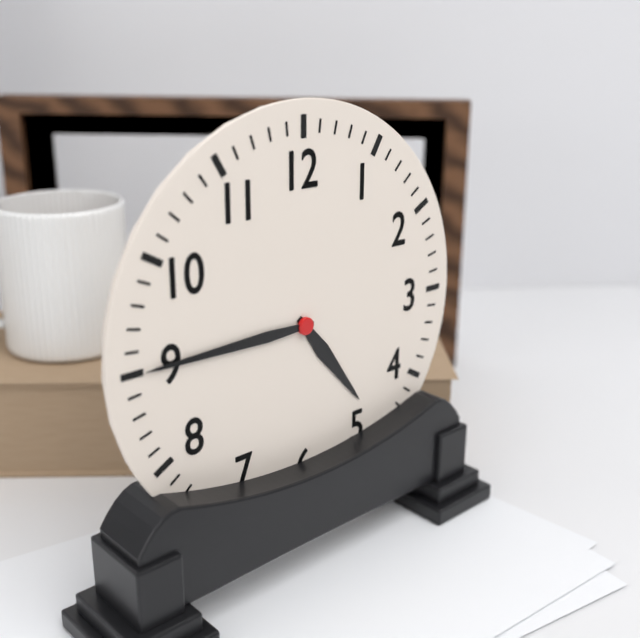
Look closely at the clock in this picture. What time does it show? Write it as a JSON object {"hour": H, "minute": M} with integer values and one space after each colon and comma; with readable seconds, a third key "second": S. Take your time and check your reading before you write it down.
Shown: {"hour": 4, "minute": 45}
